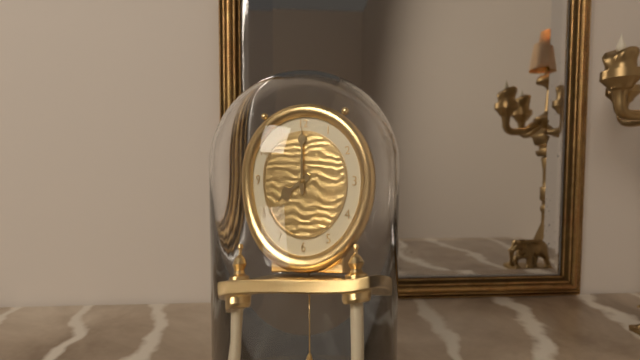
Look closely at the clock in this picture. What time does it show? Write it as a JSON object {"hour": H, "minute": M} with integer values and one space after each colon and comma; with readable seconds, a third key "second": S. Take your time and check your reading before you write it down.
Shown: {"hour": 8, "minute": 0}
